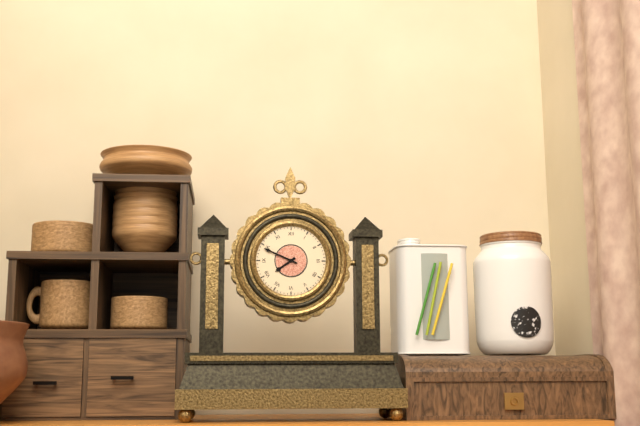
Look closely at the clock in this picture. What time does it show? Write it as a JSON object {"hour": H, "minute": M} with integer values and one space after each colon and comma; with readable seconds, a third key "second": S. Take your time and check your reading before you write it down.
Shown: {"hour": 7, "minute": 49}
